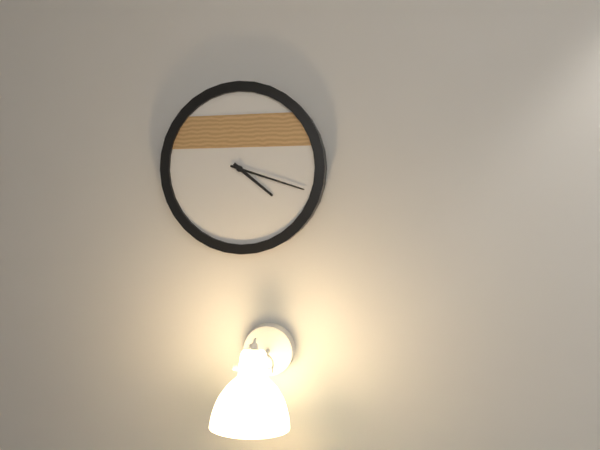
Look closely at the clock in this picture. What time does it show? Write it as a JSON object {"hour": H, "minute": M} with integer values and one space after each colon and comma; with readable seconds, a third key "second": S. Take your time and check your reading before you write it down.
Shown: {"hour": 4, "minute": 18}
